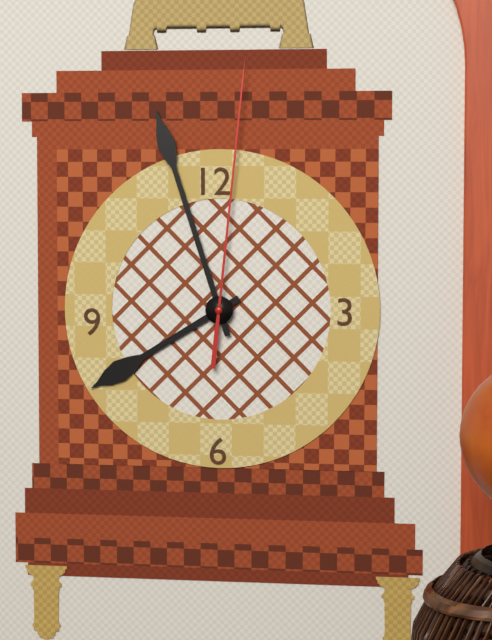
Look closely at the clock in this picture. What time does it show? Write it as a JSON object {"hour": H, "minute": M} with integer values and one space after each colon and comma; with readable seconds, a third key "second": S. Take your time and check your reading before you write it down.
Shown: {"hour": 7, "minute": 57, "second": 1}
